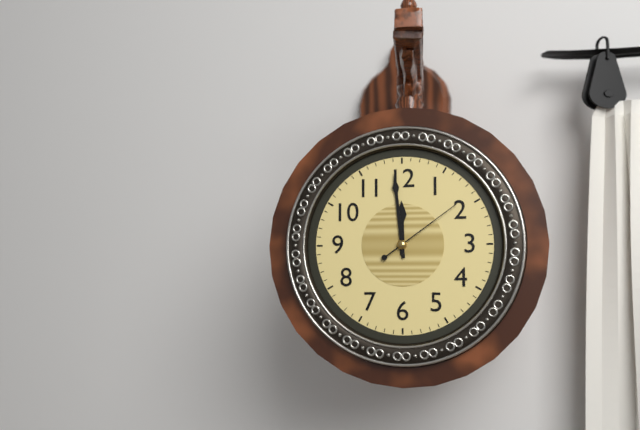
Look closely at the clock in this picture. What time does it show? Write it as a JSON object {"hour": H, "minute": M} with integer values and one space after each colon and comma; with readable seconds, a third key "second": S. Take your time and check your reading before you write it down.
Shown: {"hour": 11, "minute": 59, "second": 9}
